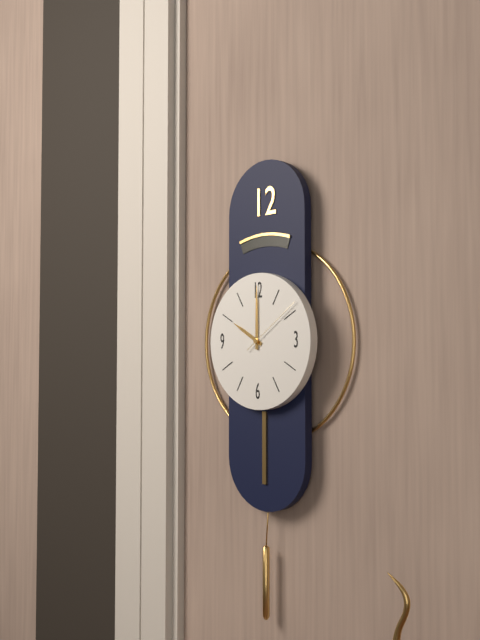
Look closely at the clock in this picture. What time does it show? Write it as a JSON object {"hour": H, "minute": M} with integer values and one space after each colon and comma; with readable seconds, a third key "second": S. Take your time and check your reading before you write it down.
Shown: {"hour": 10, "minute": 0, "second": 9}
